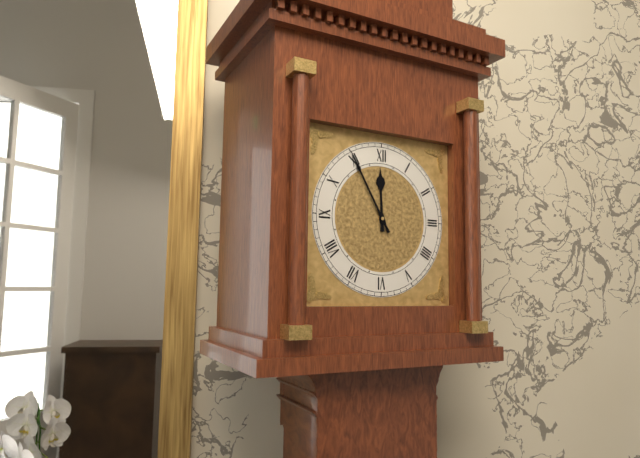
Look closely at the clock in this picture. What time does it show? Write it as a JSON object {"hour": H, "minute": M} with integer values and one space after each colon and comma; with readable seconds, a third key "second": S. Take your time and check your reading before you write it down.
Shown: {"hour": 11, "minute": 55}
